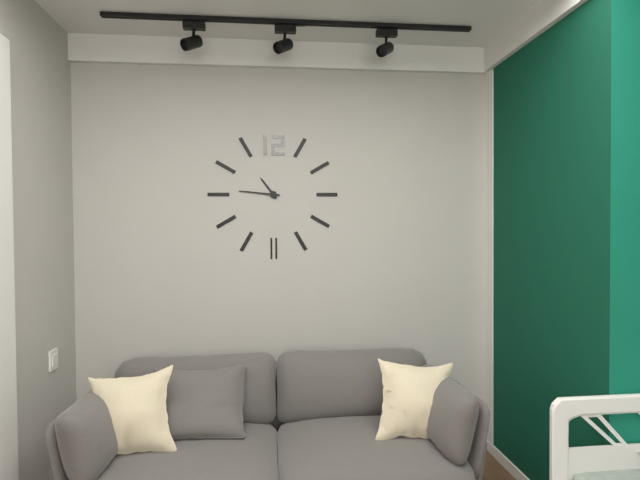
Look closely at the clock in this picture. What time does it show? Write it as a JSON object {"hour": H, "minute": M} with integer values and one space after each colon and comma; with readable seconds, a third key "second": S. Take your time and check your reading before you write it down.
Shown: {"hour": 10, "minute": 46}
